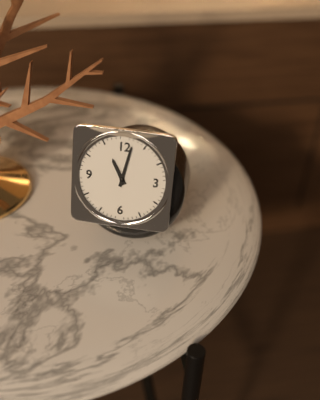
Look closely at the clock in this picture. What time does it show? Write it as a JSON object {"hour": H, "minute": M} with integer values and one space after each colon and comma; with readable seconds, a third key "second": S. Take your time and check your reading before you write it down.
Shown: {"hour": 11, "minute": 2}
